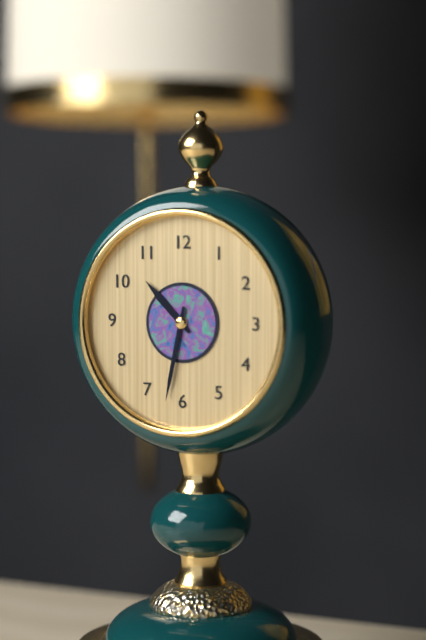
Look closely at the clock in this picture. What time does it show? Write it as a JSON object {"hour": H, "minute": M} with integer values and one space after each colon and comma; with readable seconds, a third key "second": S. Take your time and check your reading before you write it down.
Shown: {"hour": 10, "minute": 32}
